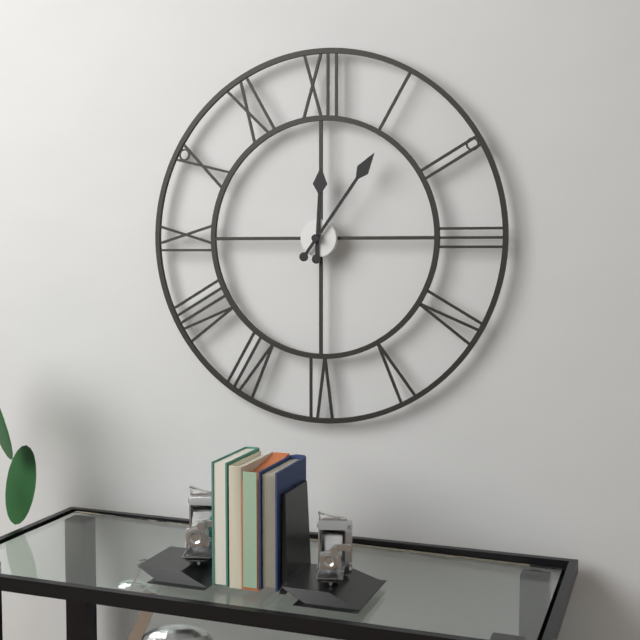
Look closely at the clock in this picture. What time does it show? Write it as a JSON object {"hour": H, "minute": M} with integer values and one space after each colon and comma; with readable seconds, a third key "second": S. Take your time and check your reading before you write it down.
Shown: {"hour": 12, "minute": 6}
